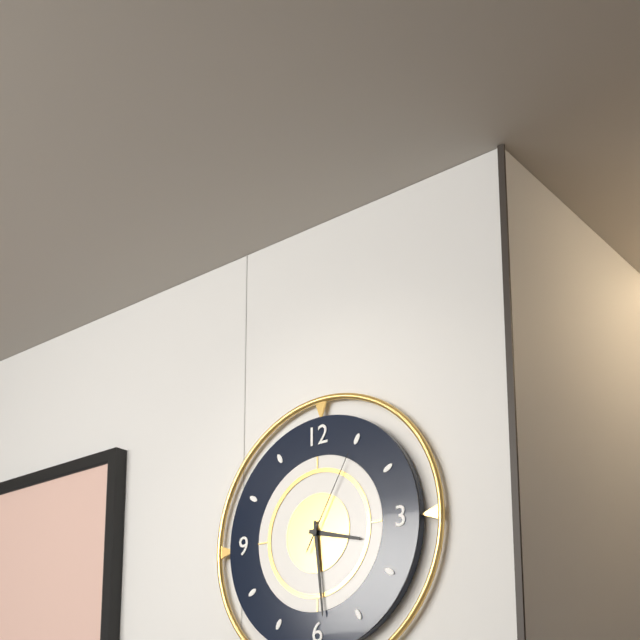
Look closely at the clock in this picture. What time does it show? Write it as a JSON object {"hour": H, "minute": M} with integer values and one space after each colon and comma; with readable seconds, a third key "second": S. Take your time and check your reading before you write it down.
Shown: {"hour": 3, "minute": 29, "second": 5}
